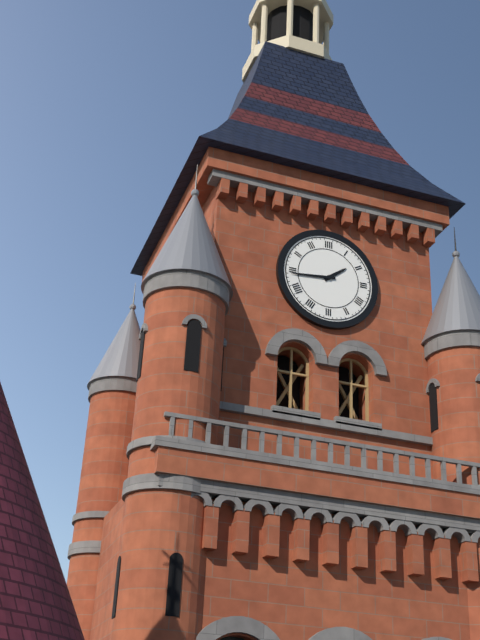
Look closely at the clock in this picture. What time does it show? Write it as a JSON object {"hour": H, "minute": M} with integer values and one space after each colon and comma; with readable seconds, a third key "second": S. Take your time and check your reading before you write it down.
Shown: {"hour": 1, "minute": 44}
